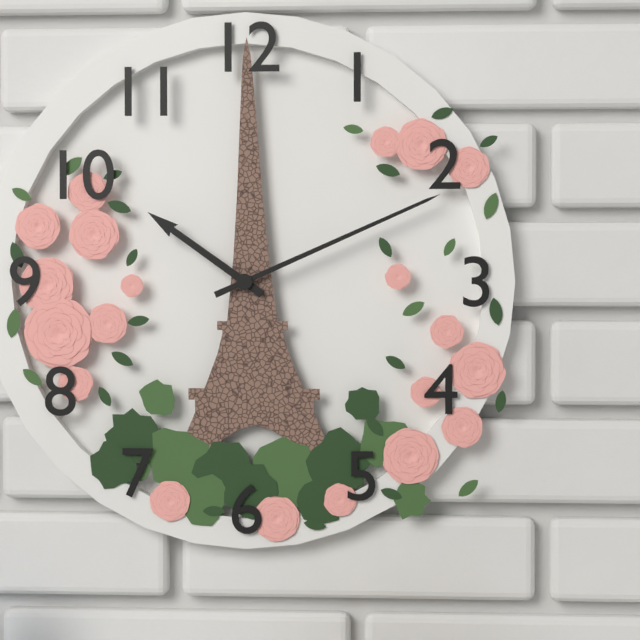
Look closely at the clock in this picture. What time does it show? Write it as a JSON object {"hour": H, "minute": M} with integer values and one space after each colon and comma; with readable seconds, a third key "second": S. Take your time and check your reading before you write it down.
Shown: {"hour": 10, "minute": 11}
